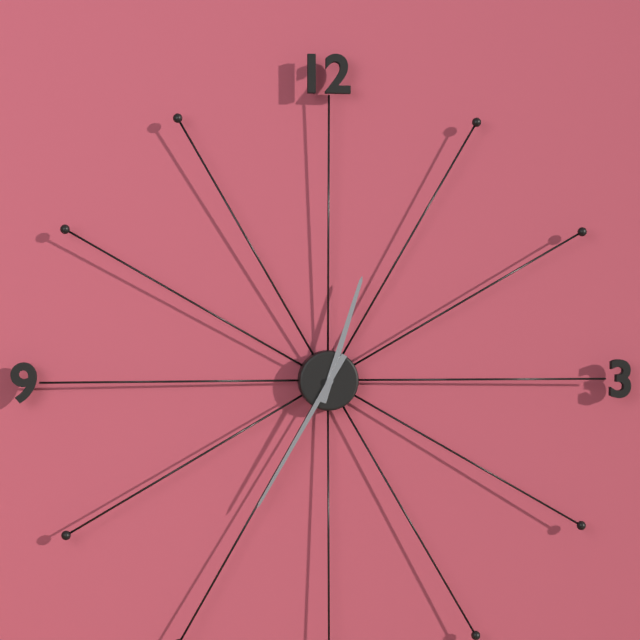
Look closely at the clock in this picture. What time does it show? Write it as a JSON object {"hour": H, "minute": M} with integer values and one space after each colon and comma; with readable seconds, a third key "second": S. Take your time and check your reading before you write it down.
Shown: {"hour": 12, "minute": 35}
